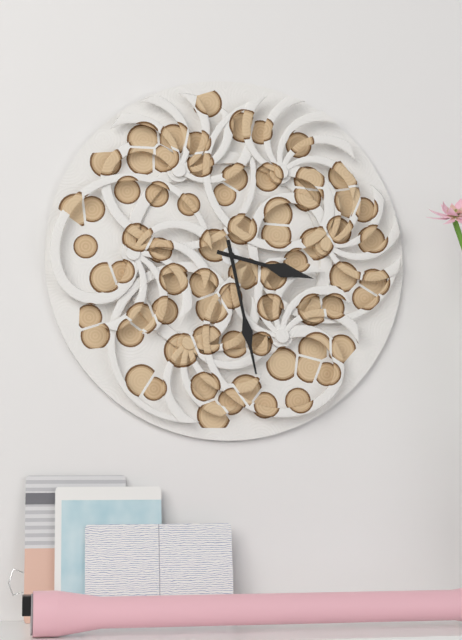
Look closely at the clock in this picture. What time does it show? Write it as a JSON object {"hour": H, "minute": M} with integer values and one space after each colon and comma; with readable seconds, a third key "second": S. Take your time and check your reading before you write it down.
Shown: {"hour": 3, "minute": 28}
